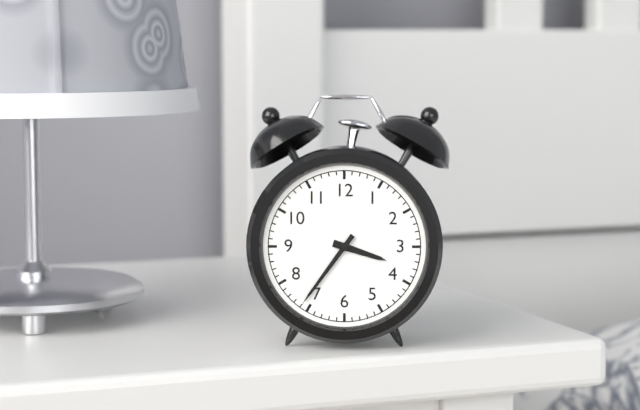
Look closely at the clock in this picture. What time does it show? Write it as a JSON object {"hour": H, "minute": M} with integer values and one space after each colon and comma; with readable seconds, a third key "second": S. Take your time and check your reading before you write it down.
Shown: {"hour": 3, "minute": 36}
